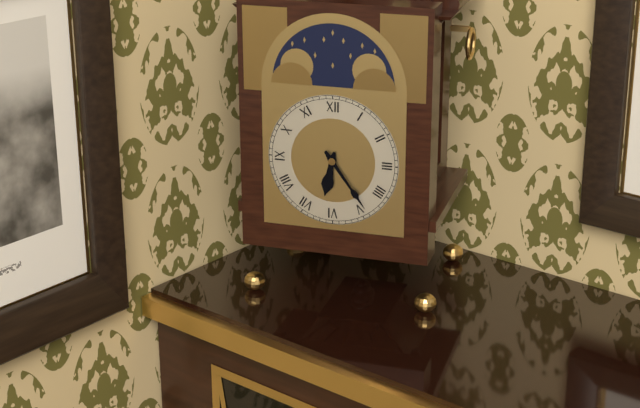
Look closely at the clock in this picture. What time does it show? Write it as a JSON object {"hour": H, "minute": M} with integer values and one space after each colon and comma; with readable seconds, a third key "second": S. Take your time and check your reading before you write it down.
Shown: {"hour": 6, "minute": 24}
